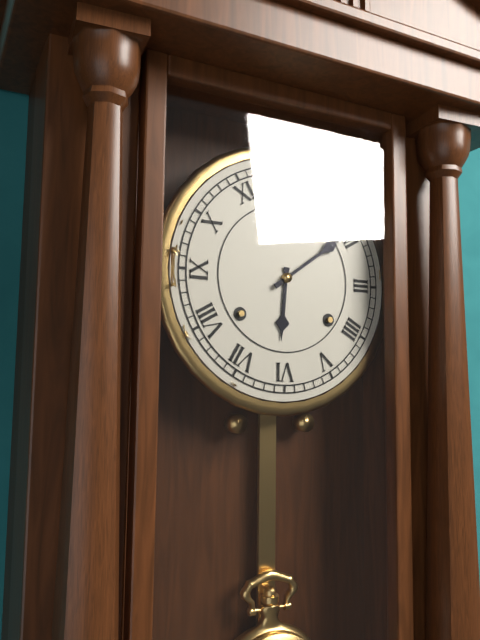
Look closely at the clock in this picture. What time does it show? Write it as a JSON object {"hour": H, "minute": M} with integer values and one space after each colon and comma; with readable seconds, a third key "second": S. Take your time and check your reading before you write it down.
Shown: {"hour": 6, "minute": 9}
